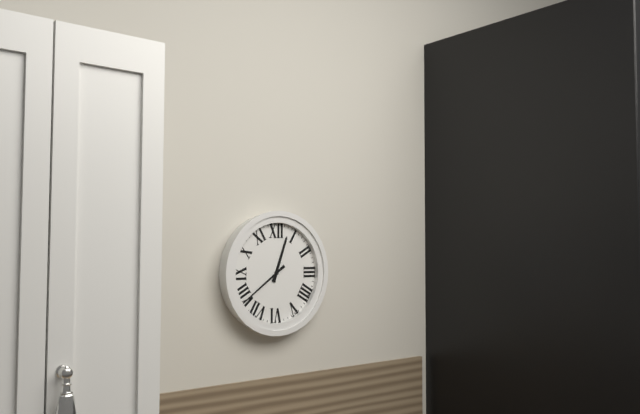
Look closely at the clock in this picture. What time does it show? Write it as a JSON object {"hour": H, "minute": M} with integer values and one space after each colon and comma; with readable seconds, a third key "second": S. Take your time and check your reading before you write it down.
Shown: {"hour": 12, "minute": 39}
